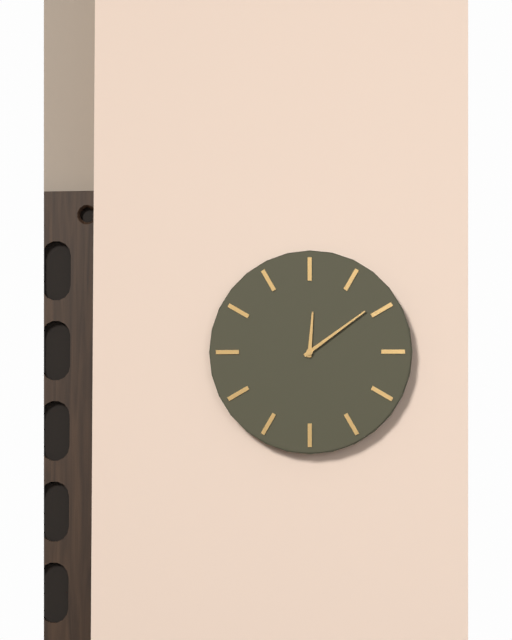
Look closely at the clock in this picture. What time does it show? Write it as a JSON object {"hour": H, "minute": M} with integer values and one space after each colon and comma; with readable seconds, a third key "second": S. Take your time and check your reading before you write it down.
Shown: {"hour": 12, "minute": 9}
